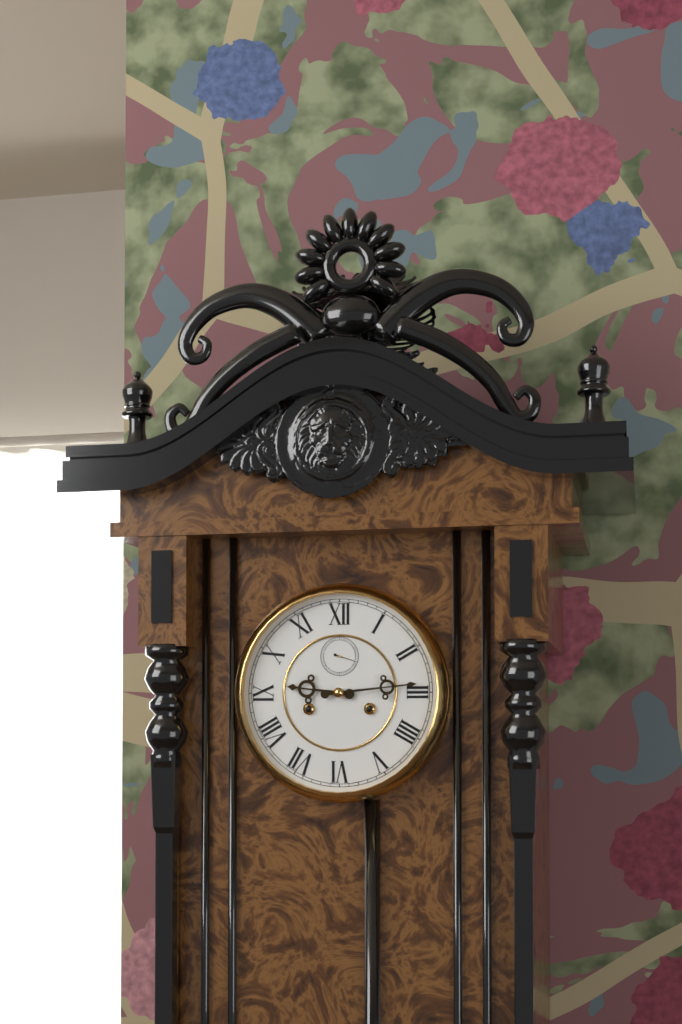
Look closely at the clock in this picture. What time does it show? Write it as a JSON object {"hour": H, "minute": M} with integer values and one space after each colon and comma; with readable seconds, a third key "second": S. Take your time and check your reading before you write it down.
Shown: {"hour": 9, "minute": 14}
